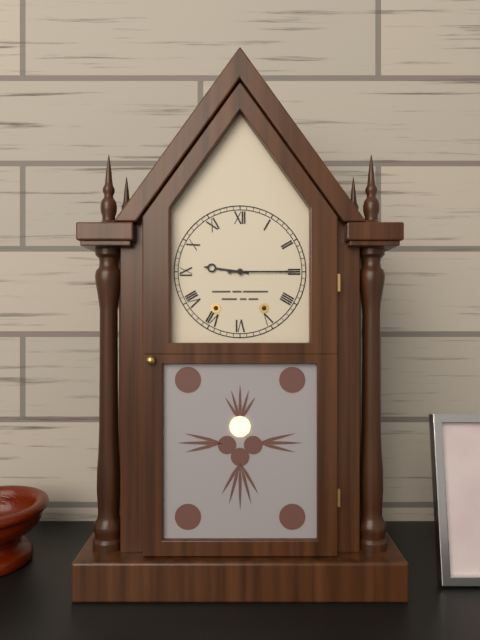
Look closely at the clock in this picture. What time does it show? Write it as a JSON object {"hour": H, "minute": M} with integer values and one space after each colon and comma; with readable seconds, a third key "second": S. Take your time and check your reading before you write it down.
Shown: {"hour": 9, "minute": 15}
